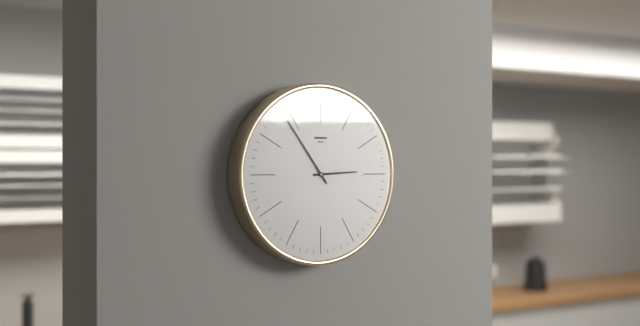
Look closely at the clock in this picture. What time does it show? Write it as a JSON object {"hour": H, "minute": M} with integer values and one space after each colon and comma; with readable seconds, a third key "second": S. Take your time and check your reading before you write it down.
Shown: {"hour": 2, "minute": 54}
